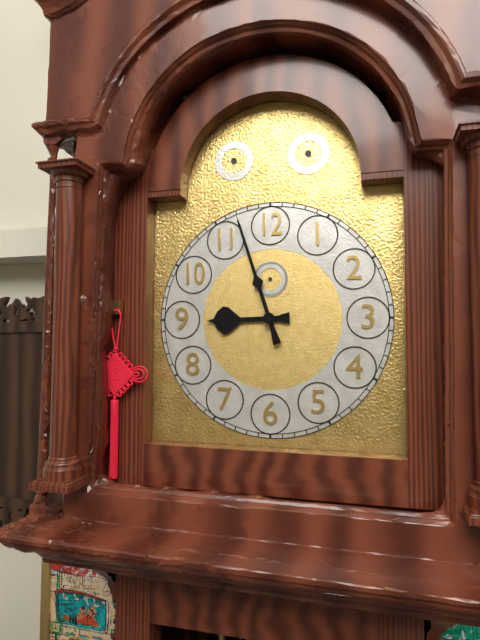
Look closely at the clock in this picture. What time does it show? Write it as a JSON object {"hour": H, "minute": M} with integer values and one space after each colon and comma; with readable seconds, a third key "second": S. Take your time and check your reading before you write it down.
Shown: {"hour": 8, "minute": 57}
